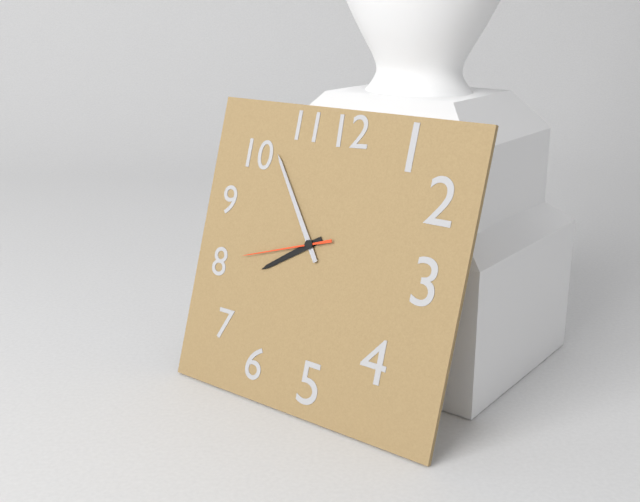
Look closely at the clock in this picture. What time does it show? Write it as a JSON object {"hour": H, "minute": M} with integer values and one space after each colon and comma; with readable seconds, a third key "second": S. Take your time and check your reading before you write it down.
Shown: {"hour": 7, "minute": 54, "second": 42}
